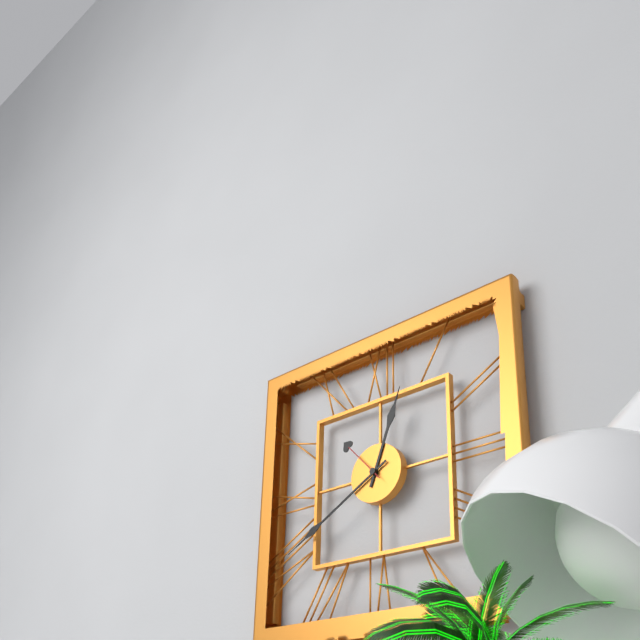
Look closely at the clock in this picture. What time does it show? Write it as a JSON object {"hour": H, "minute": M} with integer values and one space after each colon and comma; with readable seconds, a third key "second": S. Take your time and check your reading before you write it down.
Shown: {"hour": 12, "minute": 40, "second": 53}
